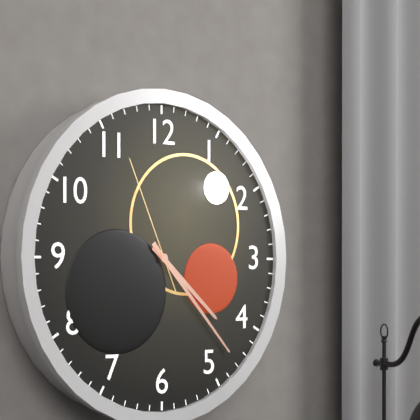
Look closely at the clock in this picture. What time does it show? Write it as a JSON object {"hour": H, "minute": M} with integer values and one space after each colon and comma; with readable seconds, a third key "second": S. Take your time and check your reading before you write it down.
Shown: {"hour": 4, "minute": 23, "second": 56}
